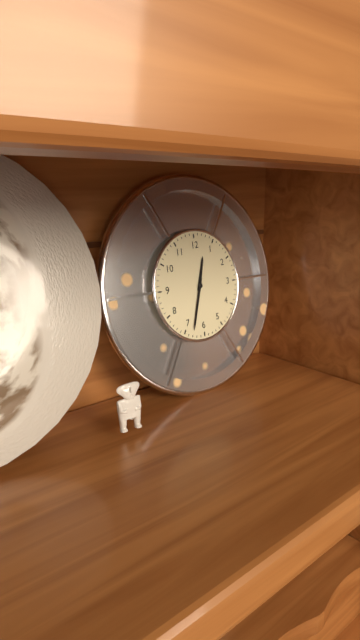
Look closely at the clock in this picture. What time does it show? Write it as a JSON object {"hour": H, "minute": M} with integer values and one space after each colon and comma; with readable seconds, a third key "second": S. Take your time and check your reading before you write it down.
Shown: {"hour": 12, "minute": 33}
